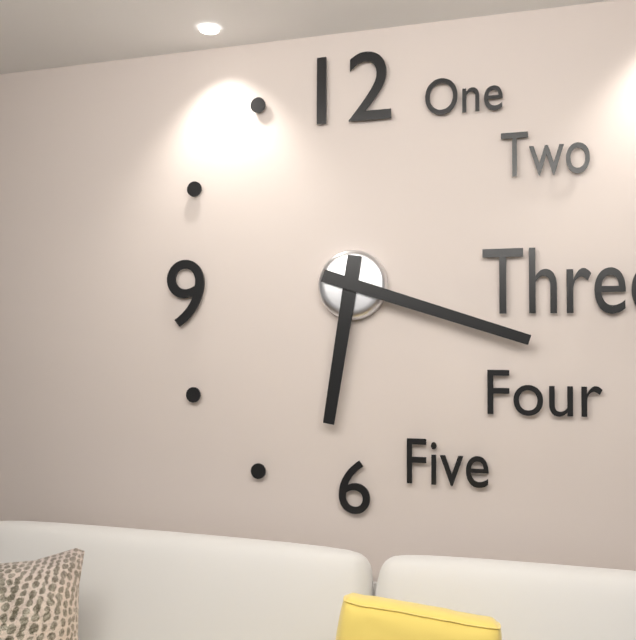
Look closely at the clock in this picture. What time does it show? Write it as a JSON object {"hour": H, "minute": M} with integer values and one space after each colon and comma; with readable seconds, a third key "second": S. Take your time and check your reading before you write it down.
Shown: {"hour": 6, "minute": 18}
